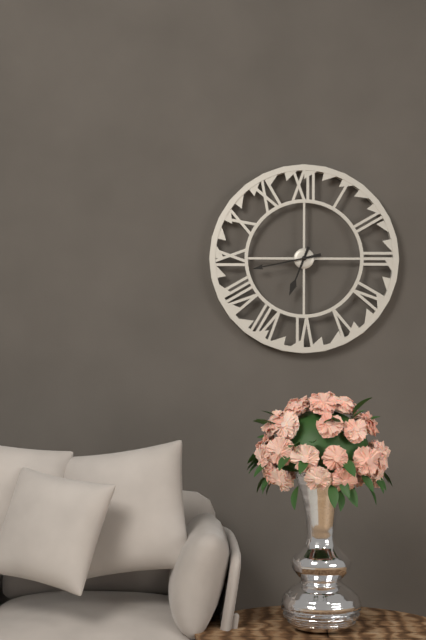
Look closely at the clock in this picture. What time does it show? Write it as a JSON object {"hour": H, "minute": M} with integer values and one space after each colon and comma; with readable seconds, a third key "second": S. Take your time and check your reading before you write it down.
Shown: {"hour": 6, "minute": 43}
